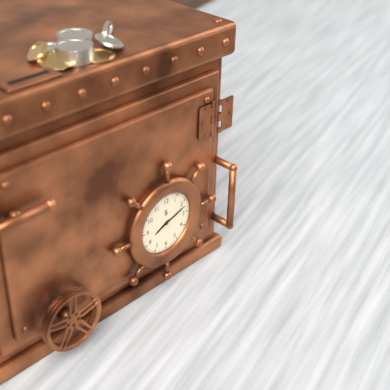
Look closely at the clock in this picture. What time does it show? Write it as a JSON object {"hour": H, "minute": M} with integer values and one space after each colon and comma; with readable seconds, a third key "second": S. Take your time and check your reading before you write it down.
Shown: {"hour": 8, "minute": 12}
